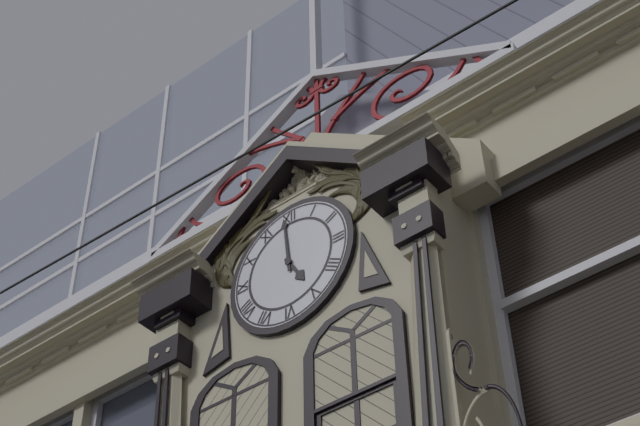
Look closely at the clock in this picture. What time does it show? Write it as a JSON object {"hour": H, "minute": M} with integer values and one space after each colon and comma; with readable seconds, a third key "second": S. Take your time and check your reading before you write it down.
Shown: {"hour": 4, "minute": 59}
